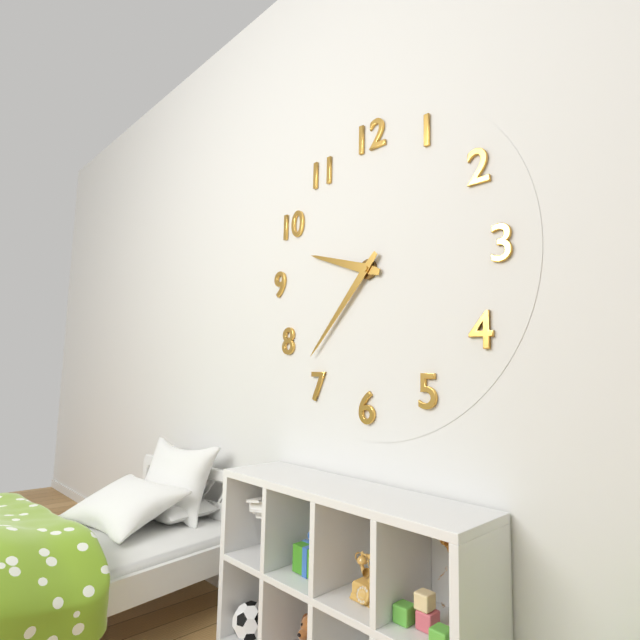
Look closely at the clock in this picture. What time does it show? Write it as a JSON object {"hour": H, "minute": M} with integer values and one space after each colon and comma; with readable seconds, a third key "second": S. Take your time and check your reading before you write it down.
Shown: {"hour": 9, "minute": 37}
